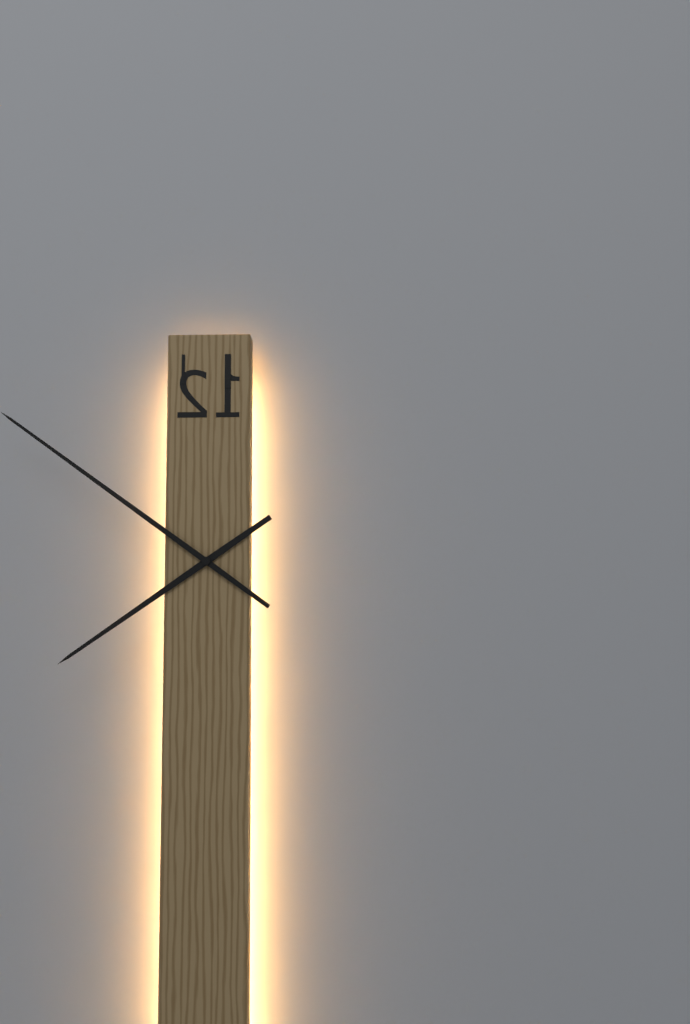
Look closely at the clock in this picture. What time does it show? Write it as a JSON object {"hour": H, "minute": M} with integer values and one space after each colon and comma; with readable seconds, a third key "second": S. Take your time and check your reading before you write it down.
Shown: {"hour": 7, "minute": 51}
